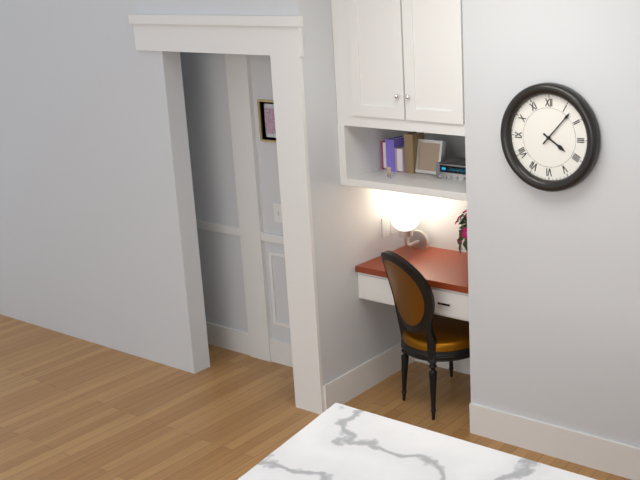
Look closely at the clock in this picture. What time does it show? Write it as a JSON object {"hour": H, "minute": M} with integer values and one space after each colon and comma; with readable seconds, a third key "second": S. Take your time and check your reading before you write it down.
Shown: {"hour": 4, "minute": 7}
